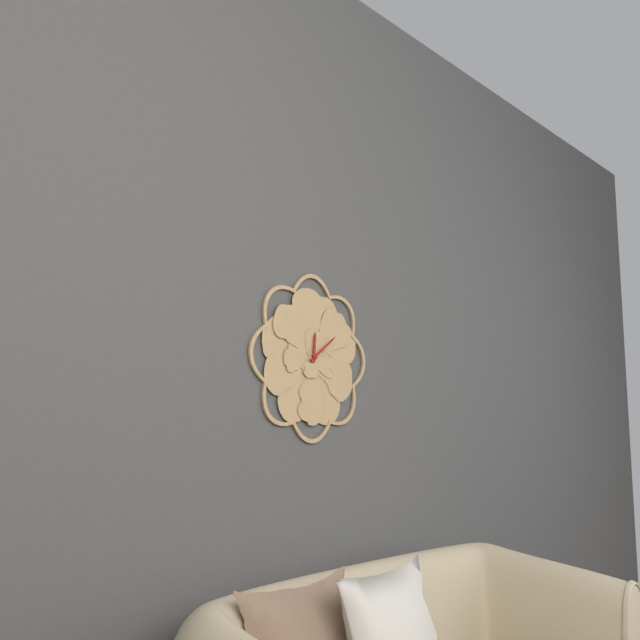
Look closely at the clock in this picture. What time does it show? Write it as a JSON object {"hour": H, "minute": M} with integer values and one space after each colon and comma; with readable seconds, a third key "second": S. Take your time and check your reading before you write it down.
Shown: {"hour": 12, "minute": 9}
